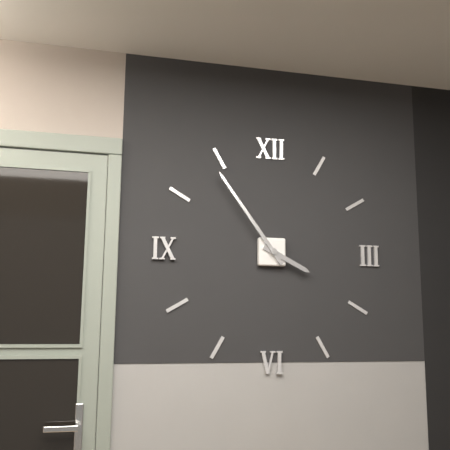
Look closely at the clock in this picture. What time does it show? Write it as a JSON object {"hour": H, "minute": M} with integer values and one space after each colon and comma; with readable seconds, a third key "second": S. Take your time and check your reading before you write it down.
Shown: {"hour": 3, "minute": 54}
